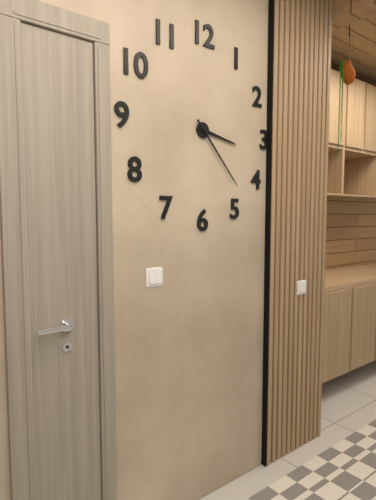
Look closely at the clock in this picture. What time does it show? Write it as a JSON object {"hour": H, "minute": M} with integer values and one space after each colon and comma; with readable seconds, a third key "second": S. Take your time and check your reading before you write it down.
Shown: {"hour": 3, "minute": 23}
